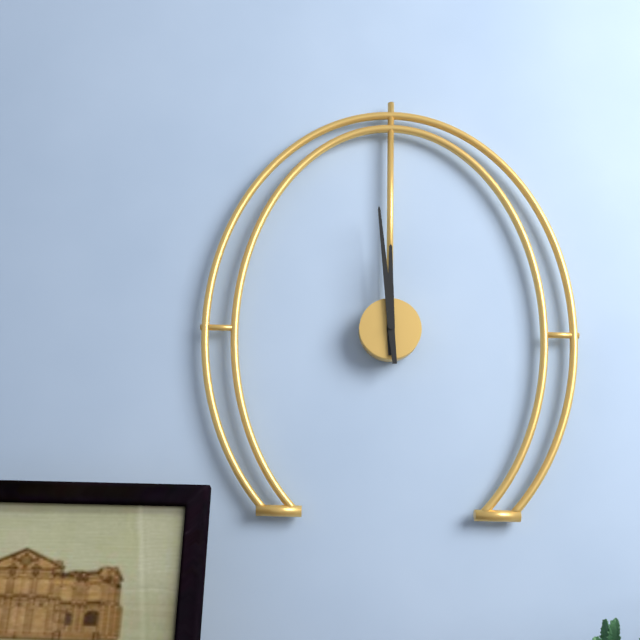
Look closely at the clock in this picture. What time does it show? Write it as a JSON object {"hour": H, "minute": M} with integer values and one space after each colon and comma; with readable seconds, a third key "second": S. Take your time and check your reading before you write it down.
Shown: {"hour": 11, "minute": 59}
